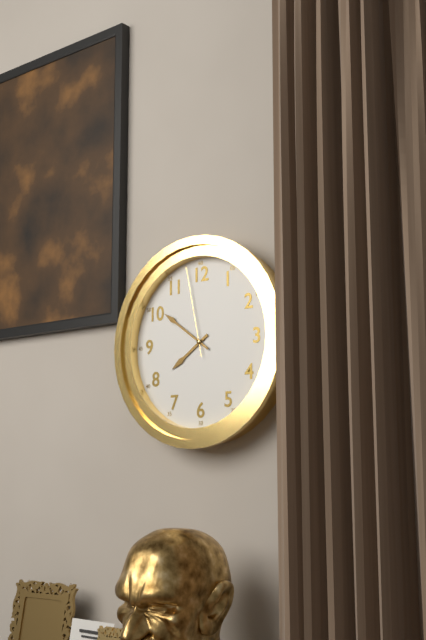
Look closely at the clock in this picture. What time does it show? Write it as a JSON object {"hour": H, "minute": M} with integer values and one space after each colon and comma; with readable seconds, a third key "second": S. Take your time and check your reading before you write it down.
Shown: {"hour": 7, "minute": 51, "second": 58}
